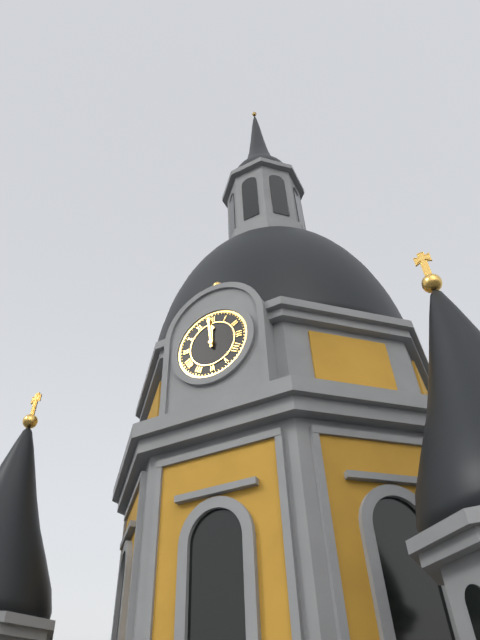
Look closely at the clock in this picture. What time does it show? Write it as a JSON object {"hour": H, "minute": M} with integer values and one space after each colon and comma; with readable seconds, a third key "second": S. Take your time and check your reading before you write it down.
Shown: {"hour": 11, "minute": 59}
